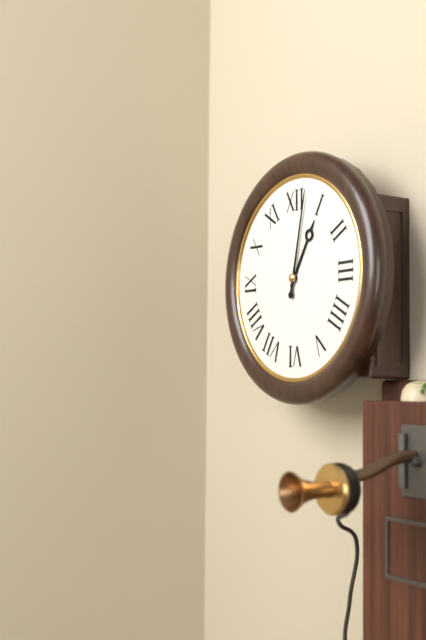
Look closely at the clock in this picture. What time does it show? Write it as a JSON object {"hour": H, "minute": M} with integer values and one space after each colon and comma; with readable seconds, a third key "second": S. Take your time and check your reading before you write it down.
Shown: {"hour": 1, "minute": 2}
